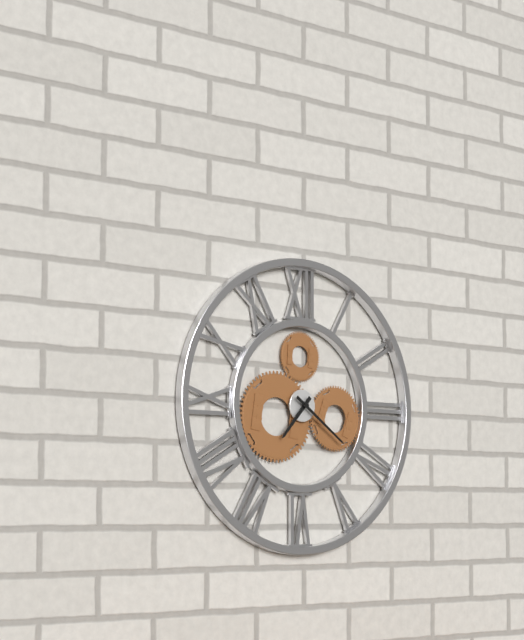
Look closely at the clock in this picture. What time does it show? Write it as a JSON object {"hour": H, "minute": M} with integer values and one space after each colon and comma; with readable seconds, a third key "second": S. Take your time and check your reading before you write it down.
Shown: {"hour": 7, "minute": 21}
